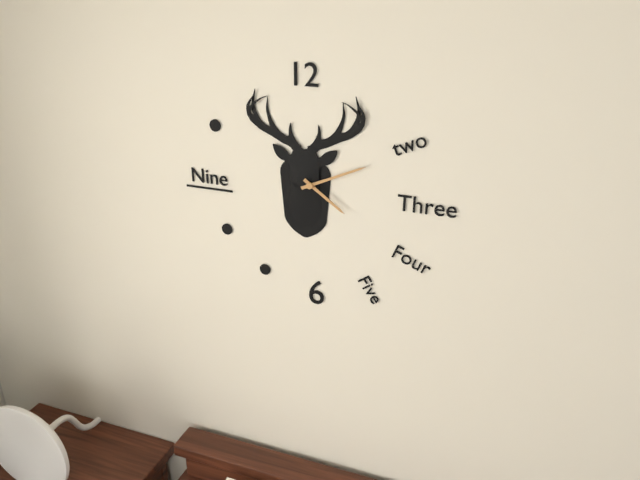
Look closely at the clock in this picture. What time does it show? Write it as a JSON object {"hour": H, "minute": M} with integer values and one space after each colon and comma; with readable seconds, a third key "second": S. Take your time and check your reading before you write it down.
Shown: {"hour": 4, "minute": 11}
